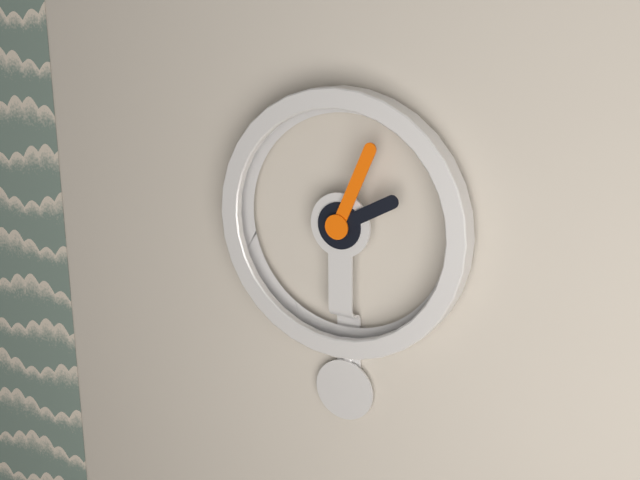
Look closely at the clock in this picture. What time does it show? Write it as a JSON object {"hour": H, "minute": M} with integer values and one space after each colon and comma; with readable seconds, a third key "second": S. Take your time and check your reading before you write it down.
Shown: {"hour": 2, "minute": 4}
